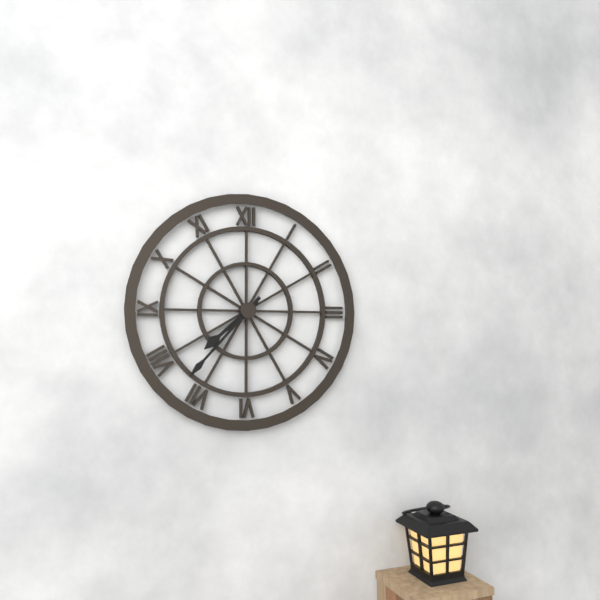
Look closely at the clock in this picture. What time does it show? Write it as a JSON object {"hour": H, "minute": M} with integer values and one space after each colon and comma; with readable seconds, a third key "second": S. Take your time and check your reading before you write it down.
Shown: {"hour": 7, "minute": 37}
